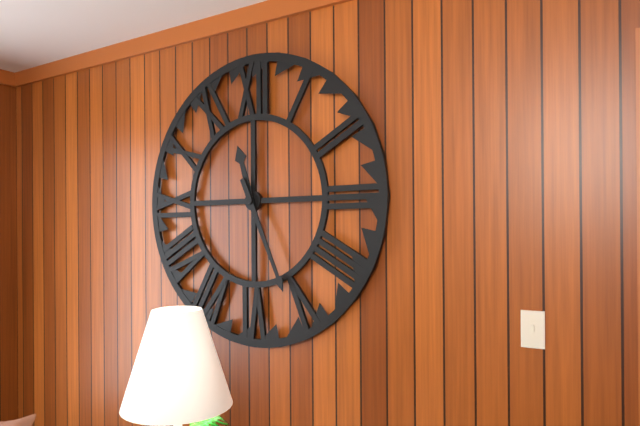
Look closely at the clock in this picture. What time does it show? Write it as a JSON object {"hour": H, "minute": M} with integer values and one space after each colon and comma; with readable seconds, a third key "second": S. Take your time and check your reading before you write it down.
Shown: {"hour": 11, "minute": 26}
